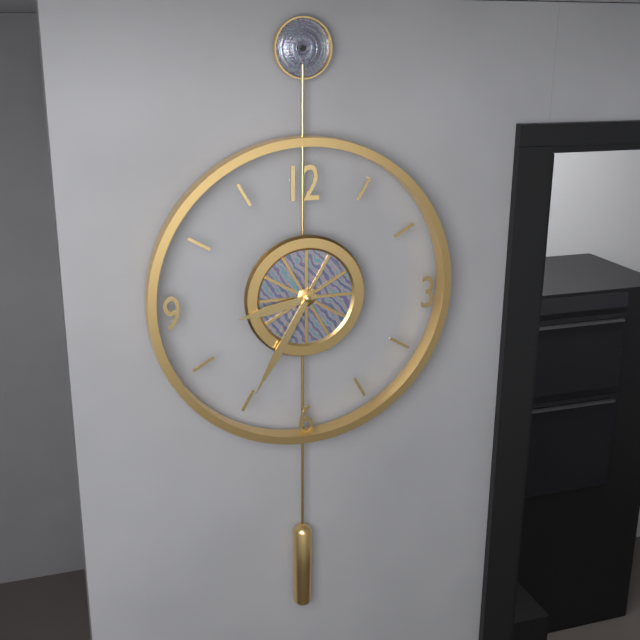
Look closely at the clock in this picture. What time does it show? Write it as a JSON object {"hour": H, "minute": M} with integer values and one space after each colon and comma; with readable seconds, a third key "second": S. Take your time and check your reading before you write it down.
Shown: {"hour": 8, "minute": 35}
